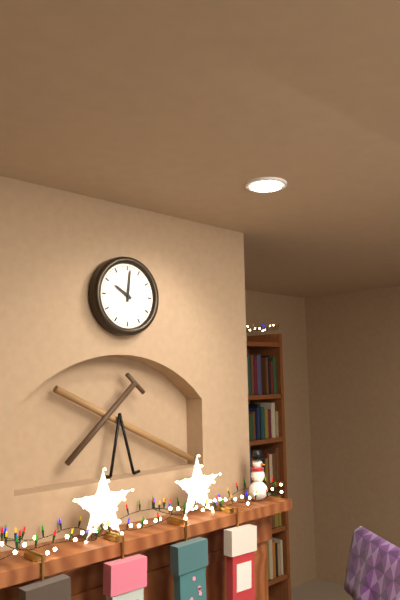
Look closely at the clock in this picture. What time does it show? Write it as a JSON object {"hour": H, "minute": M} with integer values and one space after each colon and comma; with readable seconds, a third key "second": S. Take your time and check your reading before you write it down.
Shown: {"hour": 10, "minute": 1}
